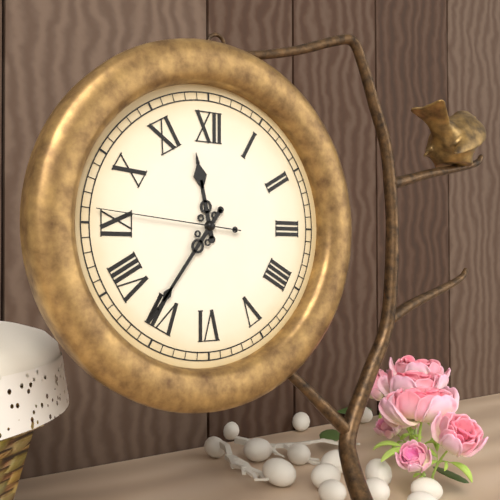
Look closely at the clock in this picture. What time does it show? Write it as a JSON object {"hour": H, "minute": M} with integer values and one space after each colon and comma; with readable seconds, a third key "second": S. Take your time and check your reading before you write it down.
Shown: {"hour": 11, "minute": 36, "second": 46}
